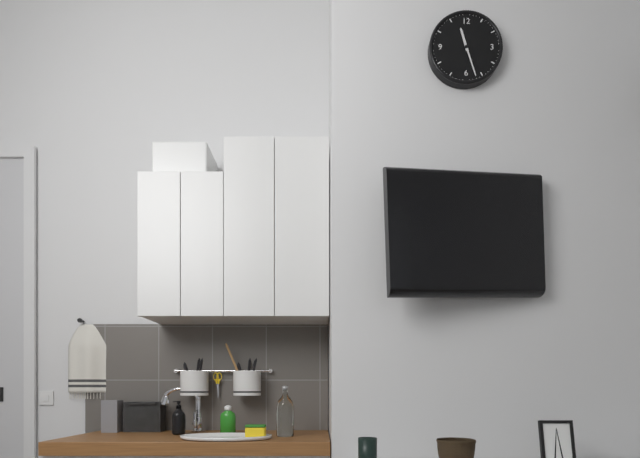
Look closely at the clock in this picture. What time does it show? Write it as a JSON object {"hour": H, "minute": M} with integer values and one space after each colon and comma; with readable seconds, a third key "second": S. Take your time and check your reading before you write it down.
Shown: {"hour": 11, "minute": 27}
